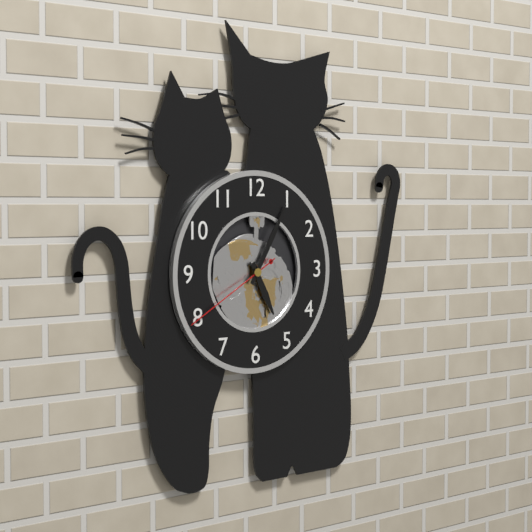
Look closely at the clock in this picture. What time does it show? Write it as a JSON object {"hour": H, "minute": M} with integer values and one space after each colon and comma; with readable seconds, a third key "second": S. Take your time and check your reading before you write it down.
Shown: {"hour": 5, "minute": 5, "second": 40}
